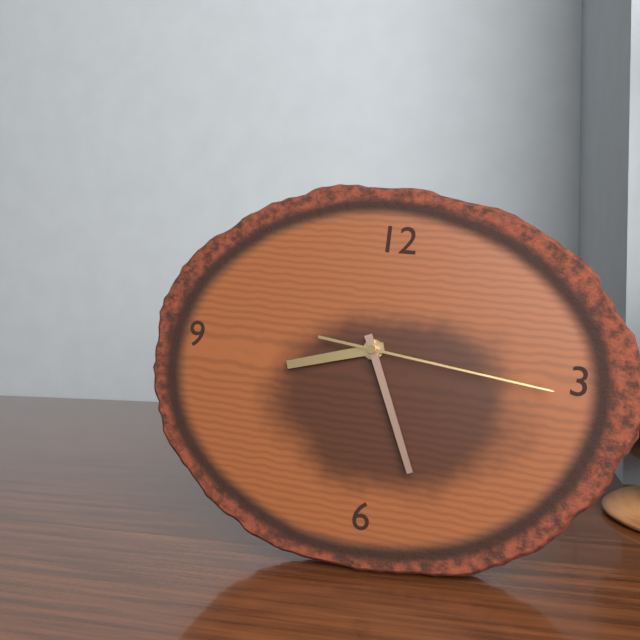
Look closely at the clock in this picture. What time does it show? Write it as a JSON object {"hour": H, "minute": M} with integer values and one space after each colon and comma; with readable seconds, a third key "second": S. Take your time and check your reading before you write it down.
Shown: {"hour": 8, "minute": 26, "second": 16}
